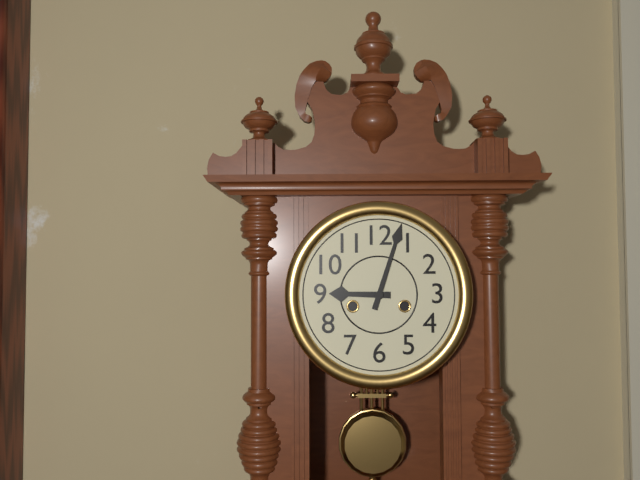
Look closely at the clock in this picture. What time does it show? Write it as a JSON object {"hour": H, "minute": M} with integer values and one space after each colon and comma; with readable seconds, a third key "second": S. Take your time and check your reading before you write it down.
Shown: {"hour": 9, "minute": 3}
